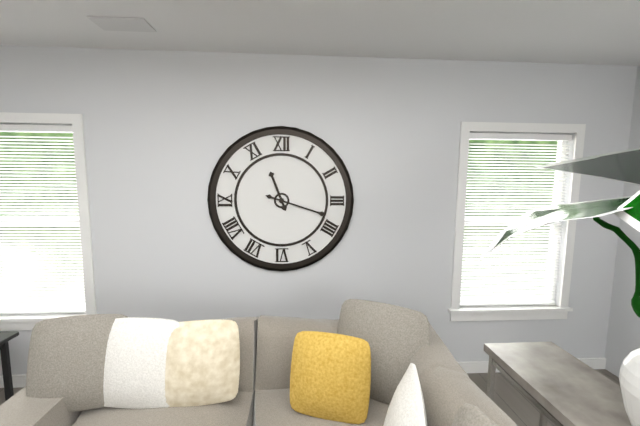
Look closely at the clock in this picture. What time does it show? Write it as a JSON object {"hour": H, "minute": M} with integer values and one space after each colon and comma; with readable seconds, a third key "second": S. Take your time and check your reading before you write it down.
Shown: {"hour": 11, "minute": 18}
